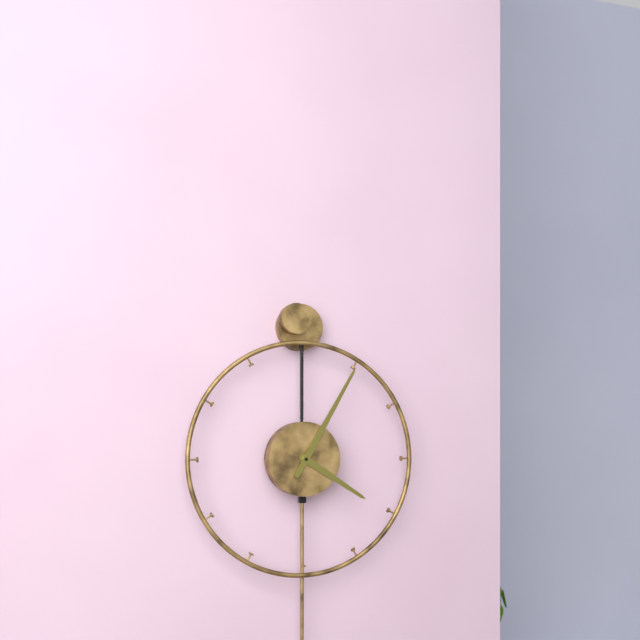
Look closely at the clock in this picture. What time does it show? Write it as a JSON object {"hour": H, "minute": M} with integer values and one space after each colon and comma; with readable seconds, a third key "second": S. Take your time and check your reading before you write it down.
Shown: {"hour": 4, "minute": 5}
